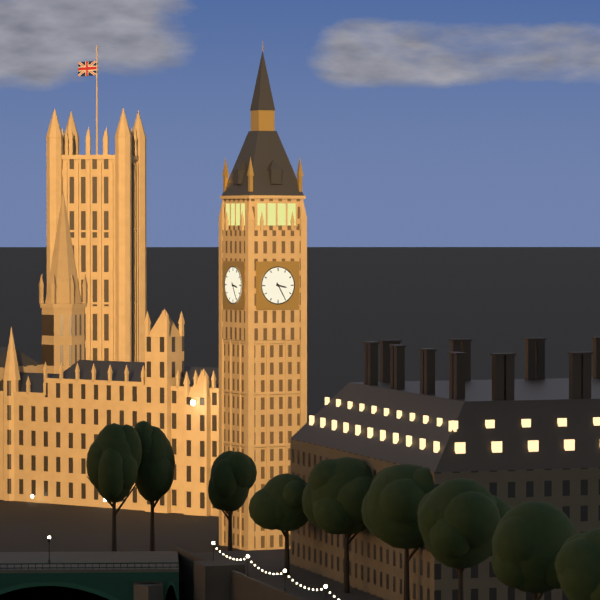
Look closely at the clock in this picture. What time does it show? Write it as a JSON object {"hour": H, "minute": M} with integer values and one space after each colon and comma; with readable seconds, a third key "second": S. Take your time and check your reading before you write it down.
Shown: {"hour": 3, "minute": 25}
